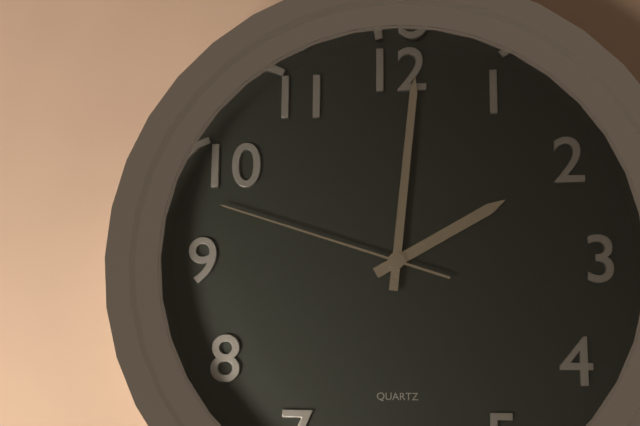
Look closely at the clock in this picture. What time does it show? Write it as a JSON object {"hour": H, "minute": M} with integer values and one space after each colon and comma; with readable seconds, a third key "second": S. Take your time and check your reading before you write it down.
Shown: {"hour": 2, "minute": 1, "second": 48}
